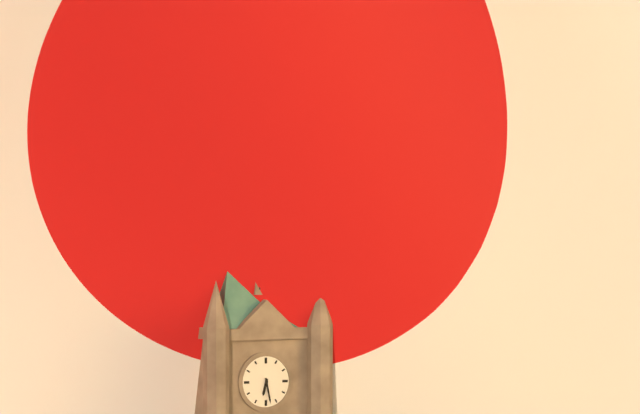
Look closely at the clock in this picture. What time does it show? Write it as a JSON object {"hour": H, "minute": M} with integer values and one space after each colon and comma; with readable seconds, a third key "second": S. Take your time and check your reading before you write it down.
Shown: {"hour": 6, "minute": 28}
